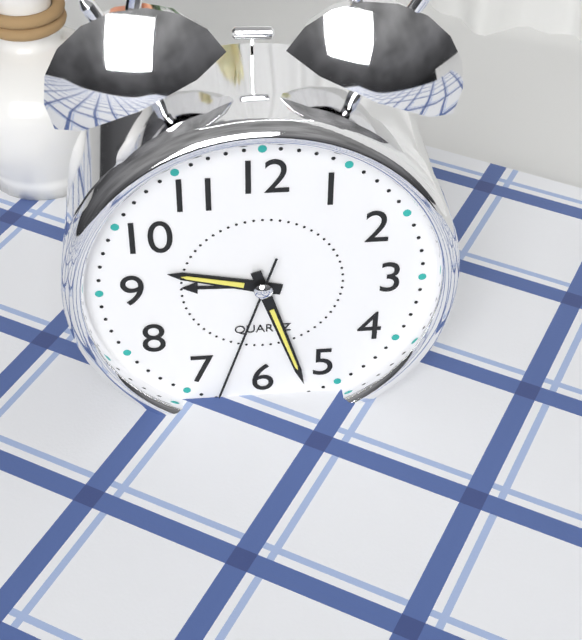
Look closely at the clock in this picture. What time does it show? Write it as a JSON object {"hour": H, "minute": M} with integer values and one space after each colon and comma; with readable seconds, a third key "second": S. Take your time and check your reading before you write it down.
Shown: {"hour": 9, "minute": 27, "second": 33}
